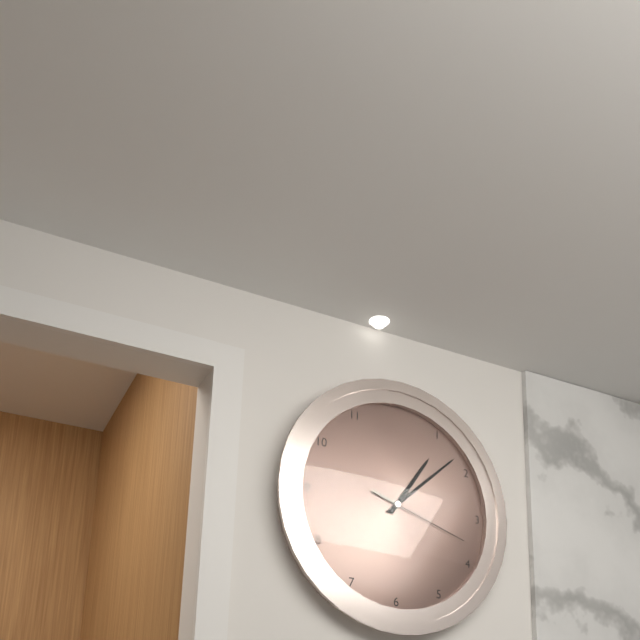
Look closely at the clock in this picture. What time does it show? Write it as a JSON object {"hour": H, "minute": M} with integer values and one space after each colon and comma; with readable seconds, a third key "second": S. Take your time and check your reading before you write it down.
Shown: {"hour": 1, "minute": 8, "second": 18}
